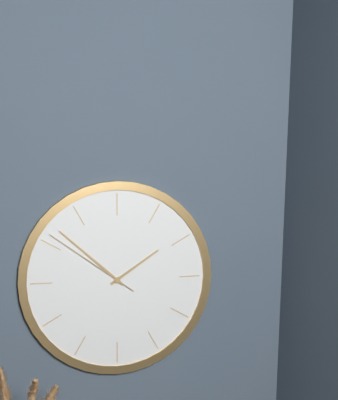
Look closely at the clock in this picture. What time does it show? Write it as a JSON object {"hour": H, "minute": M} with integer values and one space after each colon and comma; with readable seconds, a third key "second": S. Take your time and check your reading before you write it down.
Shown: {"hour": 1, "minute": 52, "second": 51}
